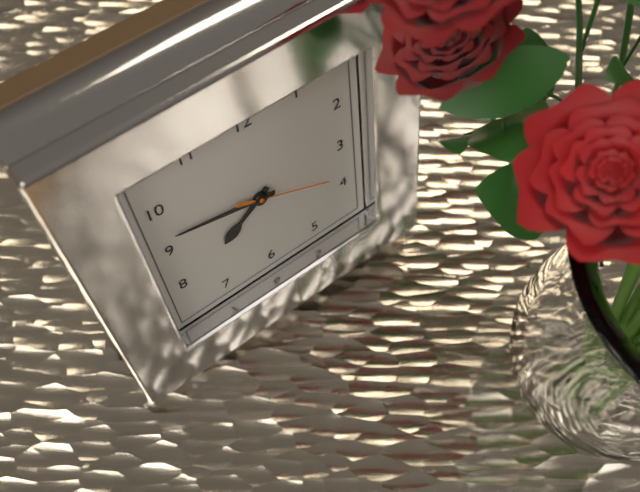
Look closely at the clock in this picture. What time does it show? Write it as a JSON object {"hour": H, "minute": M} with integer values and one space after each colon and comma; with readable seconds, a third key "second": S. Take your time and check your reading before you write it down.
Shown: {"hour": 7, "minute": 47, "second": 19}
